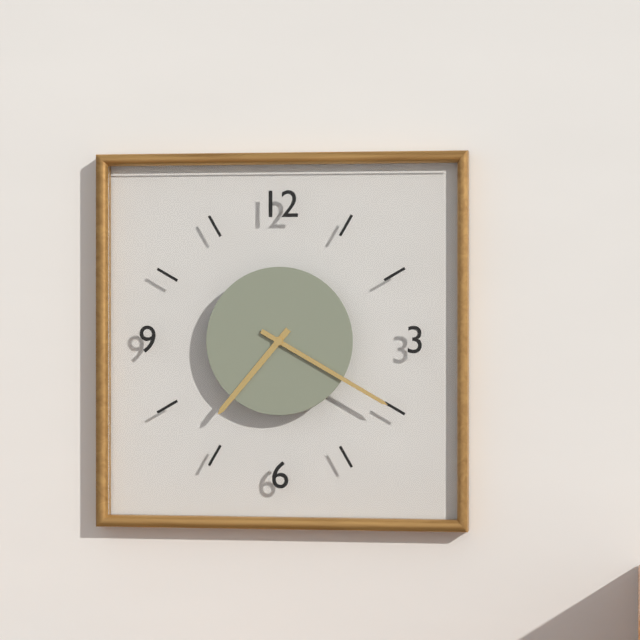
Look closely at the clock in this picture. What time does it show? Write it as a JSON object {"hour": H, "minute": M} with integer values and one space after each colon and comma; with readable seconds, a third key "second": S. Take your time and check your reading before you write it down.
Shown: {"hour": 7, "minute": 20}
